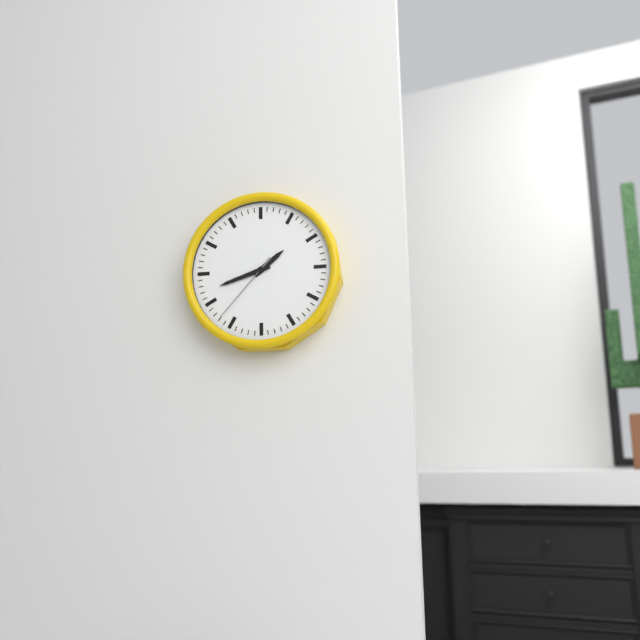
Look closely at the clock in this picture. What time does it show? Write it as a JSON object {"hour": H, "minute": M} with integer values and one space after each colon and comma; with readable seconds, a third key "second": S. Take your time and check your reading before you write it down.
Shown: {"hour": 1, "minute": 42, "second": 37}
